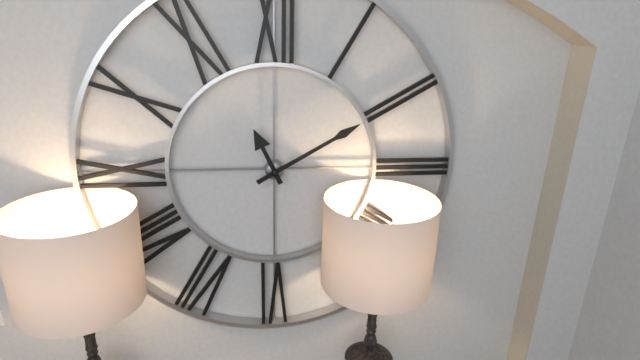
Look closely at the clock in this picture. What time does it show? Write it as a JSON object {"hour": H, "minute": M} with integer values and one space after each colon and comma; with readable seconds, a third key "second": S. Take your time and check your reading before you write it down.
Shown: {"hour": 11, "minute": 10}
